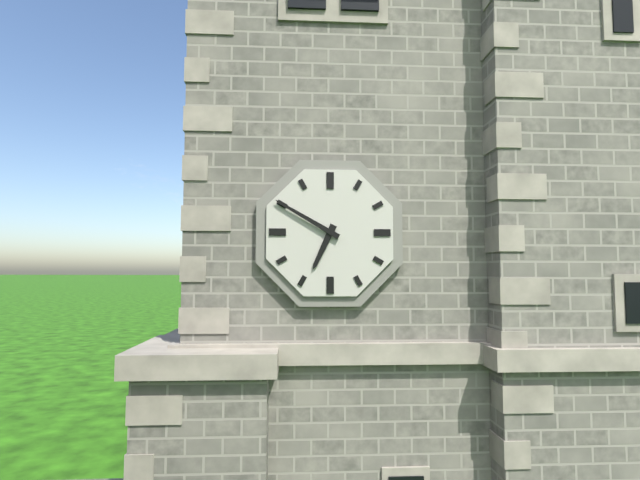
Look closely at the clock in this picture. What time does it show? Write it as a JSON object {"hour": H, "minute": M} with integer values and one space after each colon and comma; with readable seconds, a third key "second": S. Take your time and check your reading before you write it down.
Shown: {"hour": 6, "minute": 50}
